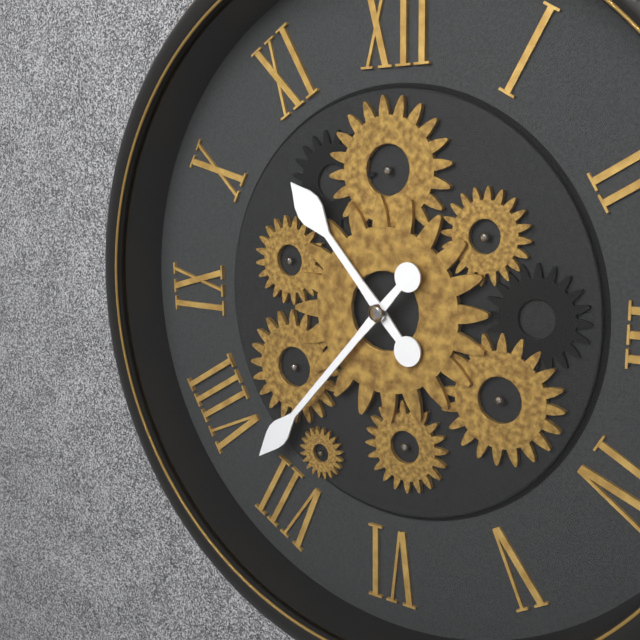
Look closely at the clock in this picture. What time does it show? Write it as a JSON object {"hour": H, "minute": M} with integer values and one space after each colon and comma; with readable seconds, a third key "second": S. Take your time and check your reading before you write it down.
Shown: {"hour": 10, "minute": 37}
